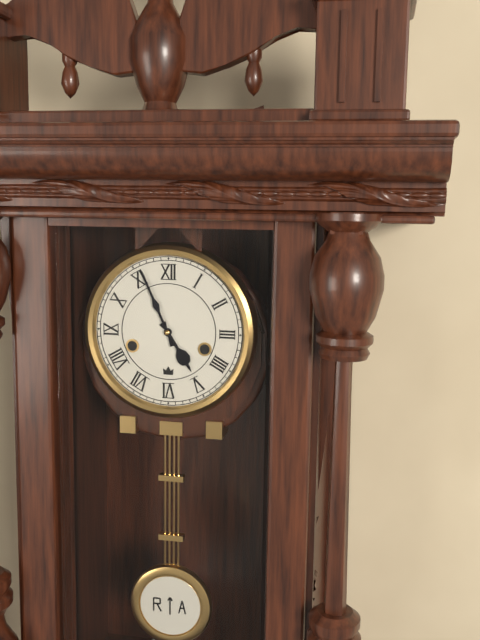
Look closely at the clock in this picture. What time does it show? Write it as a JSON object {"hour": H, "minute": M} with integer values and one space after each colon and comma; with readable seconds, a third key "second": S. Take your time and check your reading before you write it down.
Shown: {"hour": 4, "minute": 56}
